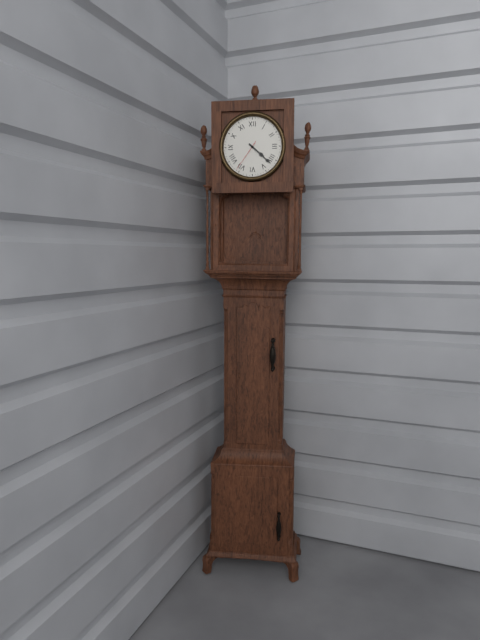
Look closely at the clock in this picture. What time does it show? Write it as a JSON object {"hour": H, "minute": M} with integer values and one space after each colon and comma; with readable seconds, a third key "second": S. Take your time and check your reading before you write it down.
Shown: {"hour": 4, "minute": 22}
